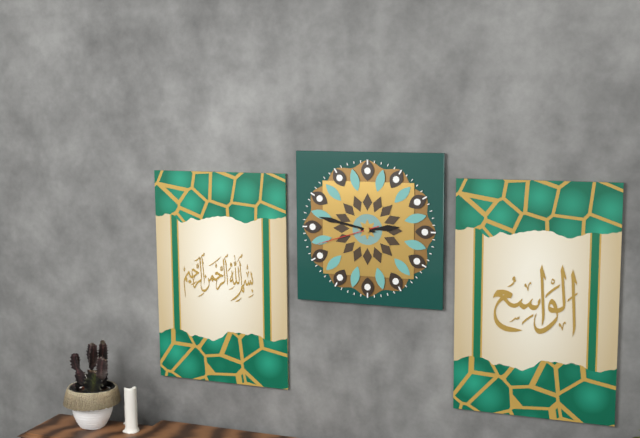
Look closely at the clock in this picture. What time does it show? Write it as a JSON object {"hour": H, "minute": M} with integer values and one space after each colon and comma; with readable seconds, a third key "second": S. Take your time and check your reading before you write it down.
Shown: {"hour": 2, "minute": 47, "second": 42}
